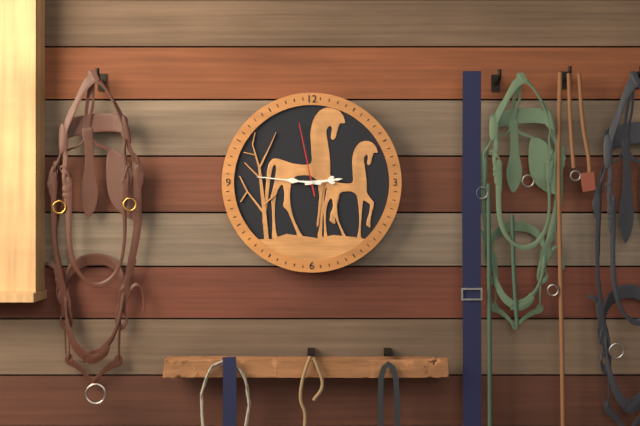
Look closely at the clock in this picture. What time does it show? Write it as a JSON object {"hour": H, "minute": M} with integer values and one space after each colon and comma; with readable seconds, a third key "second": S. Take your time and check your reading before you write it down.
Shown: {"hour": 2, "minute": 46, "second": 58}
